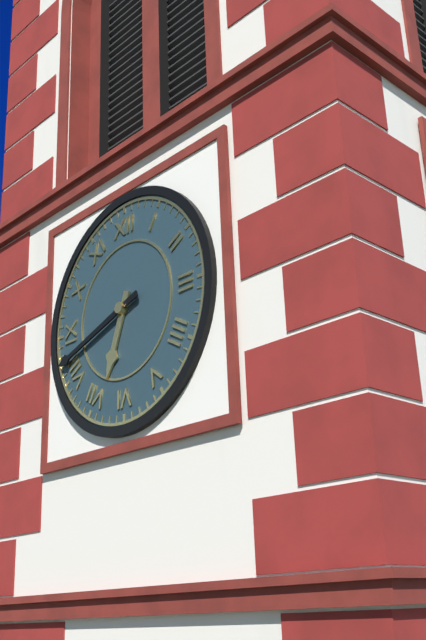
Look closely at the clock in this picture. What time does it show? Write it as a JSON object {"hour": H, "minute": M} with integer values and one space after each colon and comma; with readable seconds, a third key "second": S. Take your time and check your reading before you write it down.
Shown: {"hour": 6, "minute": 42}
